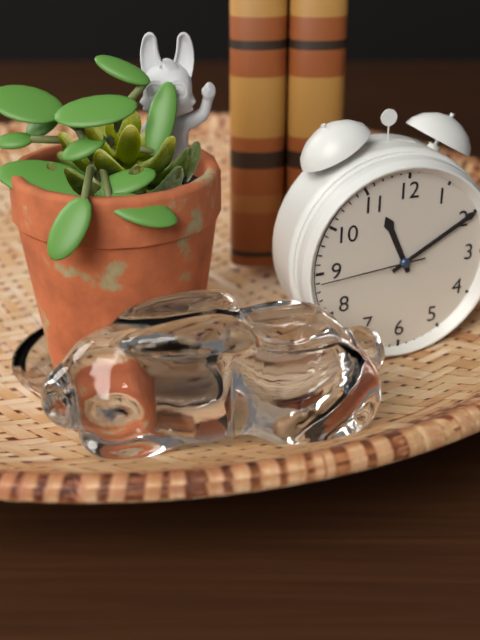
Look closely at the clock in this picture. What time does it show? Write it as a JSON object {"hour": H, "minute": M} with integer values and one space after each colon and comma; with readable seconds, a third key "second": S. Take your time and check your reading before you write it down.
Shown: {"hour": 11, "minute": 10, "second": 44}
